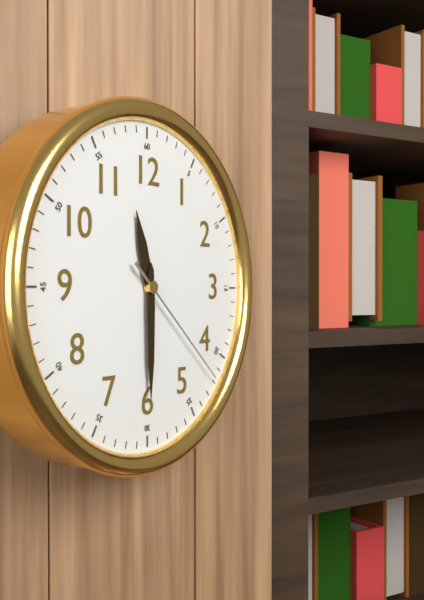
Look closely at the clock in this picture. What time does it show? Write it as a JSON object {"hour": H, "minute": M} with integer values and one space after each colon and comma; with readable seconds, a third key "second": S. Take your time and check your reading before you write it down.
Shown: {"hour": 11, "minute": 30, "second": 22}
